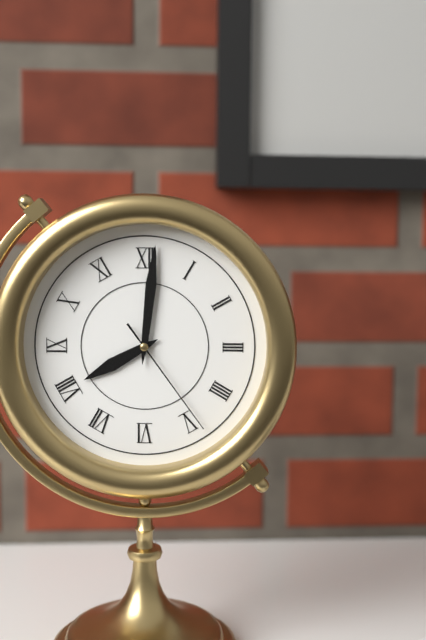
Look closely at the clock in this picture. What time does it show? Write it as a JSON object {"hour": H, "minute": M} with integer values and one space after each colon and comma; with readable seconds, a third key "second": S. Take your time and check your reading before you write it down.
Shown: {"hour": 8, "minute": 1, "second": 24}
